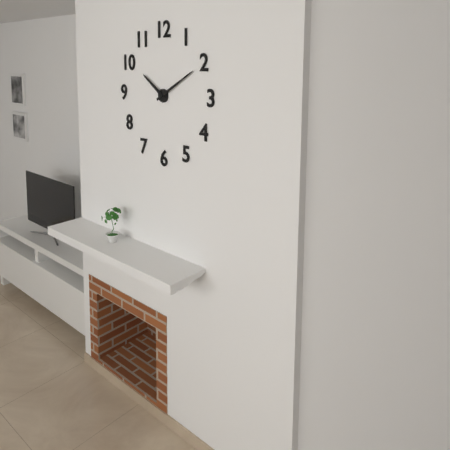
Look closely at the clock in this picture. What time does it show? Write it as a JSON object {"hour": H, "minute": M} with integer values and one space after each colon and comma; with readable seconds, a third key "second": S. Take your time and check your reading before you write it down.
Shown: {"hour": 10, "minute": 10}
